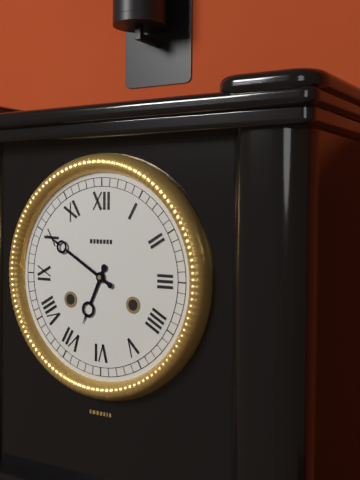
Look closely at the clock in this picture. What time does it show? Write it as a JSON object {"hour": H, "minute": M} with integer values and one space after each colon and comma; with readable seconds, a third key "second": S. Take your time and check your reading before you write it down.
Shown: {"hour": 6, "minute": 50}
